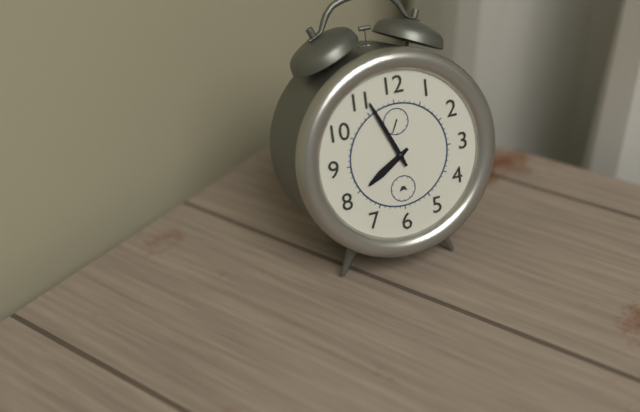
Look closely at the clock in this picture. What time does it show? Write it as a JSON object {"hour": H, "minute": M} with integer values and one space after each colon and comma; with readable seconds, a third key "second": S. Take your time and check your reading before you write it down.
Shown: {"hour": 7, "minute": 56}
